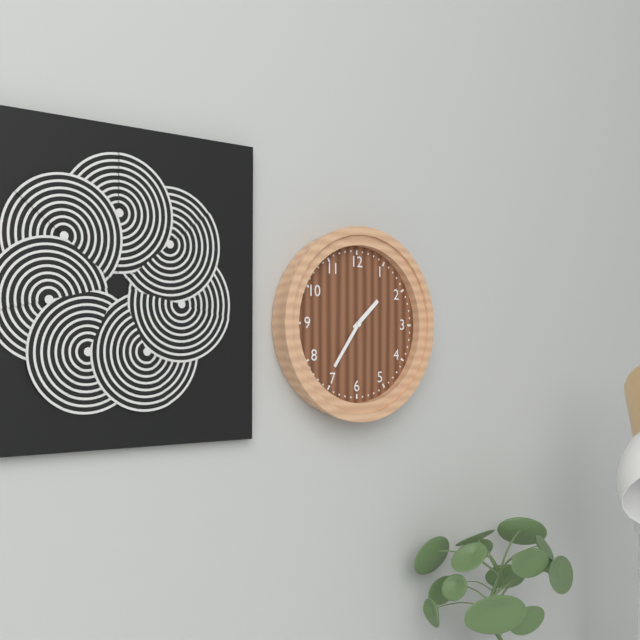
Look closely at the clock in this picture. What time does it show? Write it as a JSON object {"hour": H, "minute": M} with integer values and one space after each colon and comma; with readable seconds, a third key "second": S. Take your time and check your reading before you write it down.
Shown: {"hour": 1, "minute": 36}
